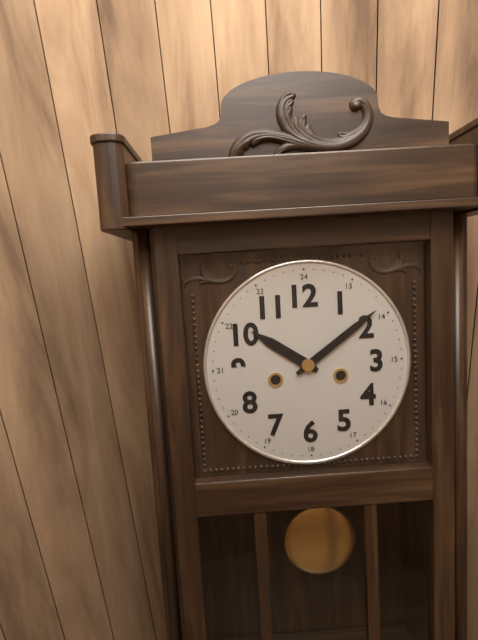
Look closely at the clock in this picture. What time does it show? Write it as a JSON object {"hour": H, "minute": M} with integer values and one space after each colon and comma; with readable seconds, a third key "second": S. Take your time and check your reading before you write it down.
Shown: {"hour": 10, "minute": 9}
